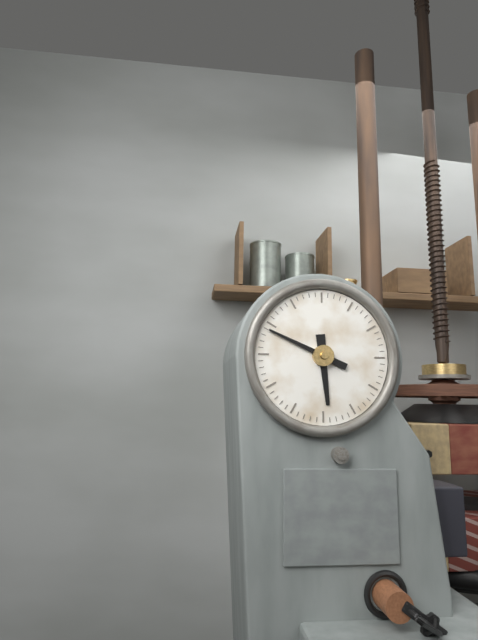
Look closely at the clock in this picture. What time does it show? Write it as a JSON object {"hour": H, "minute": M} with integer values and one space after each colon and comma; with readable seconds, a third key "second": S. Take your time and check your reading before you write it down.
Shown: {"hour": 5, "minute": 49}
